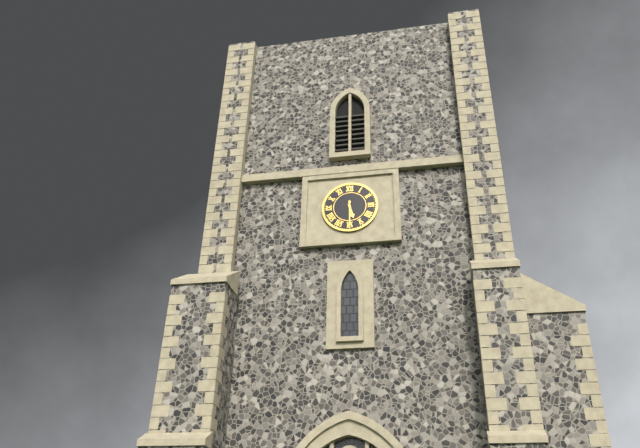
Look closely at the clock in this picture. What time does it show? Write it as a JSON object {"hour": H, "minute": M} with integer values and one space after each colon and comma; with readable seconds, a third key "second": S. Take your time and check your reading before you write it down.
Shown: {"hour": 5, "minute": 30}
